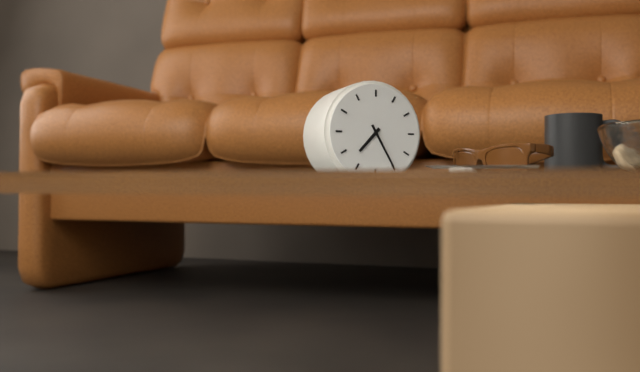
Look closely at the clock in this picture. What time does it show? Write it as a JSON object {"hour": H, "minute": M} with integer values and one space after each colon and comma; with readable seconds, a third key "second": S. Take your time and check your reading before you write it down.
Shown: {"hour": 7, "minute": 25}
